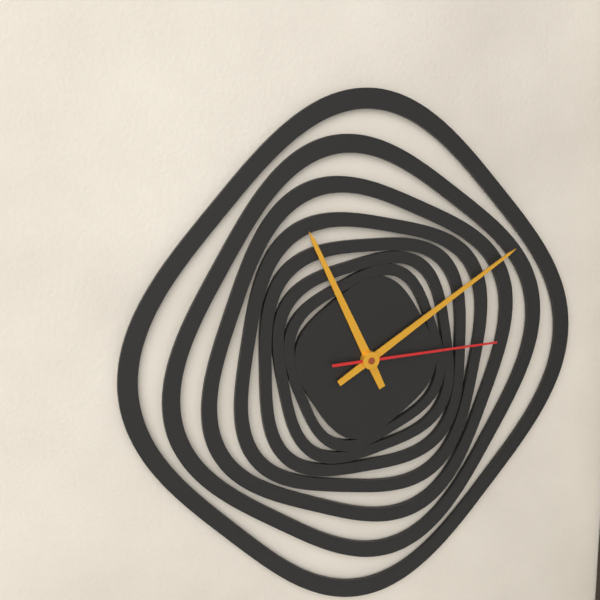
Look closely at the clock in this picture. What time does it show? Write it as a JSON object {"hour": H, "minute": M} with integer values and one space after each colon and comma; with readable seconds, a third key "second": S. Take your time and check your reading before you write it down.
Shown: {"hour": 11, "minute": 10, "second": 15}
